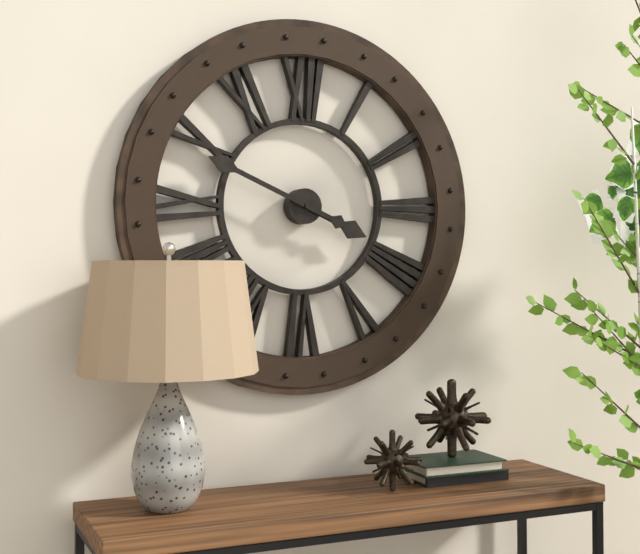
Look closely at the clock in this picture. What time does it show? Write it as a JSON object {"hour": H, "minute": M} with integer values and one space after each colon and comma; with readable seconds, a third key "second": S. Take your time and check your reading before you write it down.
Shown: {"hour": 3, "minute": 49}
